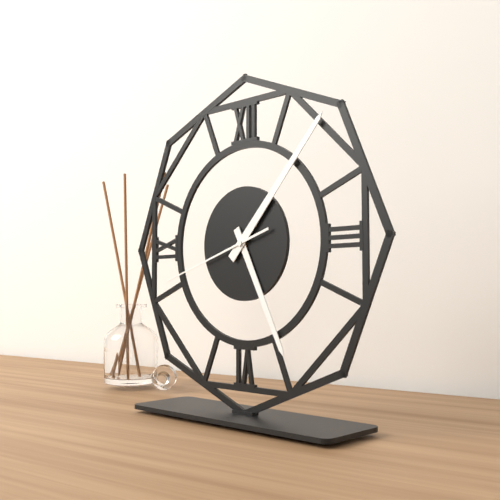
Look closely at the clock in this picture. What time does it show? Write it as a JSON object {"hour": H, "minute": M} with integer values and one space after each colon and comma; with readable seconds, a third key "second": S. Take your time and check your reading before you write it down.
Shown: {"hour": 5, "minute": 7, "second": 42}
